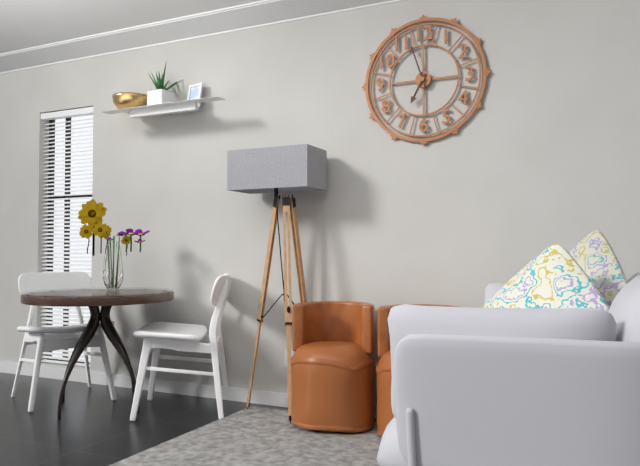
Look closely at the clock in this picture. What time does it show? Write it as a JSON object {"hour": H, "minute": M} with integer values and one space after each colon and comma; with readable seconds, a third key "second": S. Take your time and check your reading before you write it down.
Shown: {"hour": 6, "minute": 57}
